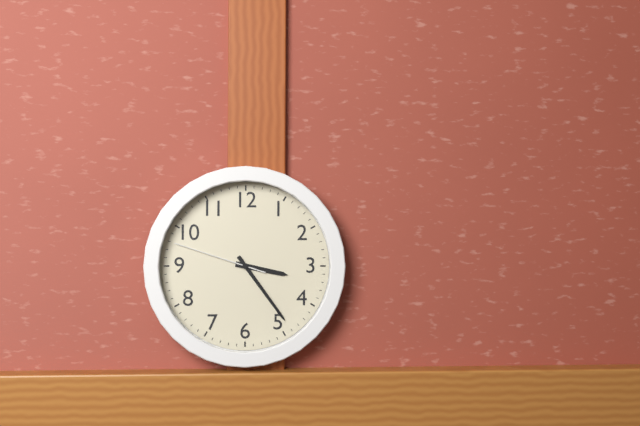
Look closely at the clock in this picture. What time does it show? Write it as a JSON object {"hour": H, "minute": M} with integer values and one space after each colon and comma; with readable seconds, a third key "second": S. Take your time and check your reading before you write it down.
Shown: {"hour": 3, "minute": 24, "second": 48}
